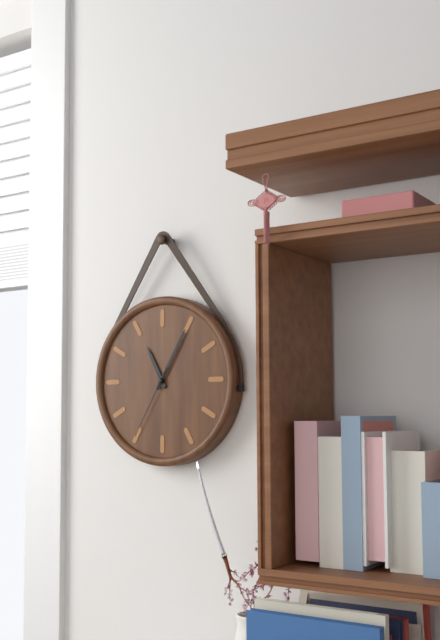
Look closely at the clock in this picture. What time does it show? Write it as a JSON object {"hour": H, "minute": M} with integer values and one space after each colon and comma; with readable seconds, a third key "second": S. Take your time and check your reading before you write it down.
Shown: {"hour": 11, "minute": 5, "second": 35}
